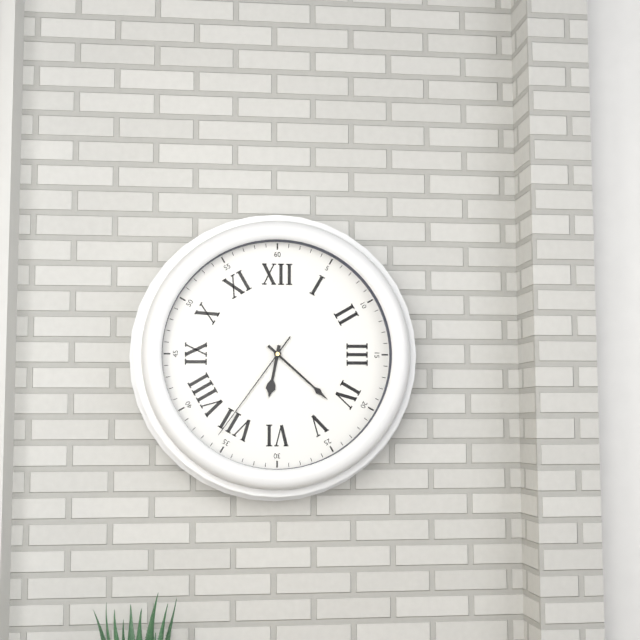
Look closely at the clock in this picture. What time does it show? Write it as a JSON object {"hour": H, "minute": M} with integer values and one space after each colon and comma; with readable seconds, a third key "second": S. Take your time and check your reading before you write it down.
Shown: {"hour": 6, "minute": 22, "second": 36}
